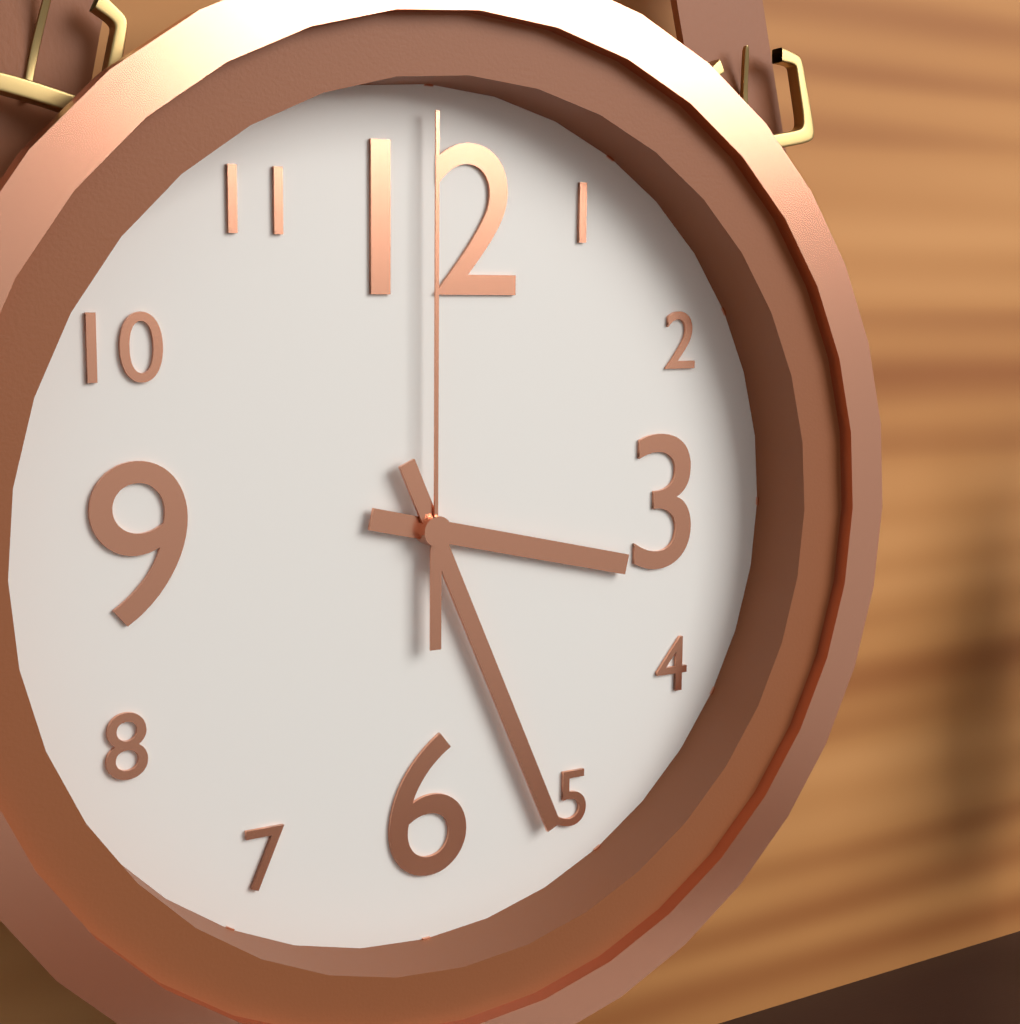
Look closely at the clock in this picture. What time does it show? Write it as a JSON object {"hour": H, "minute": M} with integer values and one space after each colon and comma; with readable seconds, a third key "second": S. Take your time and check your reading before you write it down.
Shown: {"hour": 3, "minute": 26, "second": 0}
